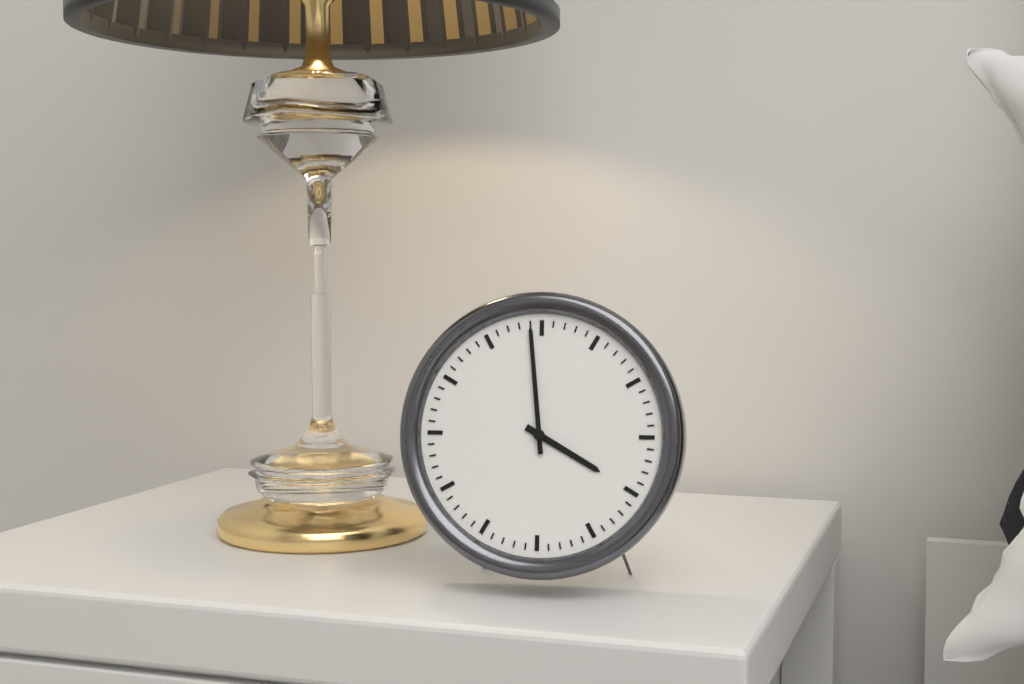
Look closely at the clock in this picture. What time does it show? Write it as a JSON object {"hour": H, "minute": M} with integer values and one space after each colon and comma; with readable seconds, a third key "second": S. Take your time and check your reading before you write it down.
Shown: {"hour": 3, "minute": 59}
